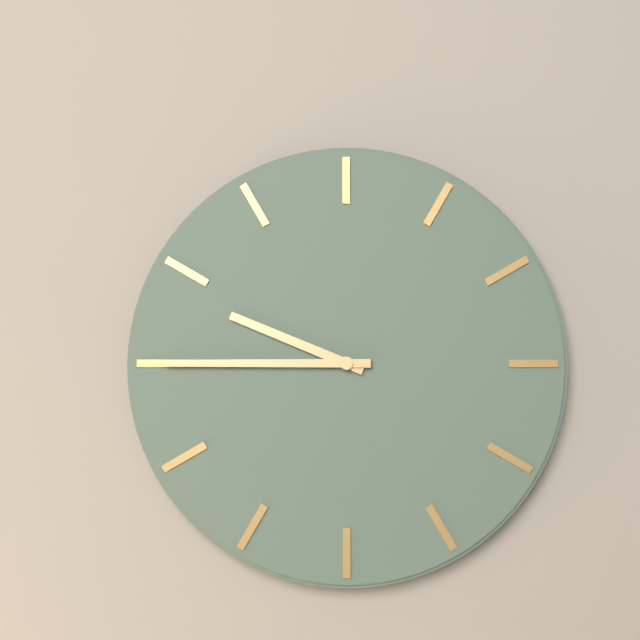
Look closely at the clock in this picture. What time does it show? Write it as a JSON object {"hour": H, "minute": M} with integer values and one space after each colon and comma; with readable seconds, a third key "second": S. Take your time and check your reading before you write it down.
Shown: {"hour": 9, "minute": 45}
